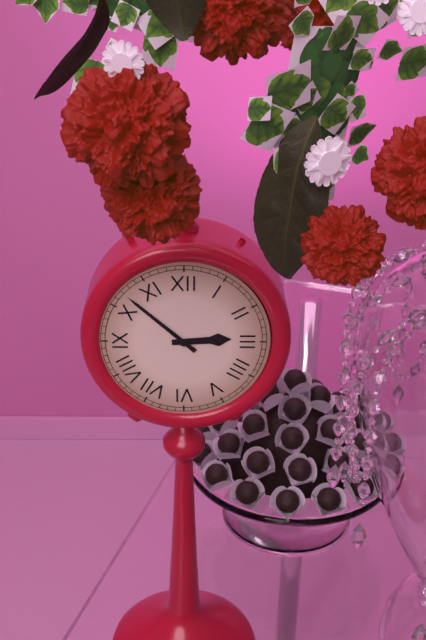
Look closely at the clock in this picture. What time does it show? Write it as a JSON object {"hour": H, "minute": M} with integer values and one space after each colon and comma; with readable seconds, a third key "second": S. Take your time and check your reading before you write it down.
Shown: {"hour": 2, "minute": 52}
